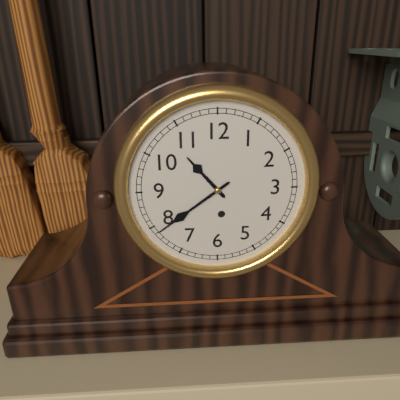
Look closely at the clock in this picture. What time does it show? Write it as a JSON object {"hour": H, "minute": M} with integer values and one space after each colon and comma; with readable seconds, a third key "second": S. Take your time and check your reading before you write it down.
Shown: {"hour": 10, "minute": 39}
